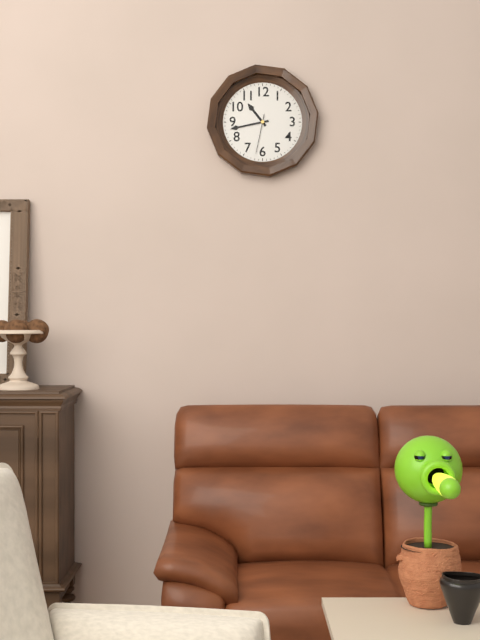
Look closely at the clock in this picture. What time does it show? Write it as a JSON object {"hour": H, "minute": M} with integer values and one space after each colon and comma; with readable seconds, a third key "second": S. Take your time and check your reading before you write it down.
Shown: {"hour": 10, "minute": 43}
